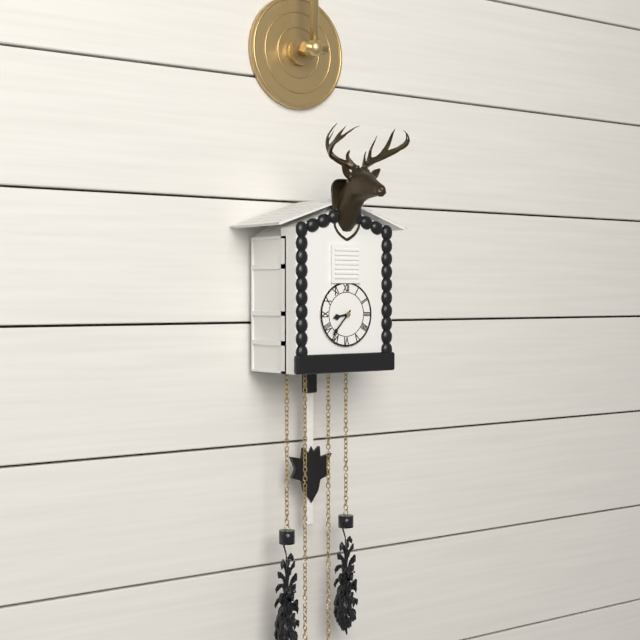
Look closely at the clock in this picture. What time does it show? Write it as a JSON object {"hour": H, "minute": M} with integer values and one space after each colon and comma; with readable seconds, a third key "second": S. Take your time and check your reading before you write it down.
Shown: {"hour": 8, "minute": 37}
